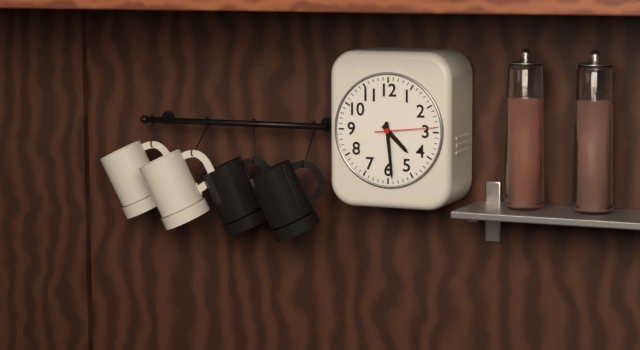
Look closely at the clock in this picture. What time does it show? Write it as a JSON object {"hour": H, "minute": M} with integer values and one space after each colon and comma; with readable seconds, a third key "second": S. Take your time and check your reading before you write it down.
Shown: {"hour": 4, "minute": 29, "second": 14}
